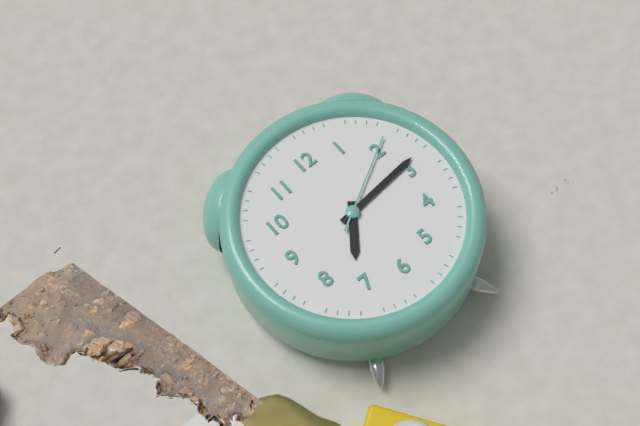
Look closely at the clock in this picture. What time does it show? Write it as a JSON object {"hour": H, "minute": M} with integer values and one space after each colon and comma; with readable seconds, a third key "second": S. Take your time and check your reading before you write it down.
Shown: {"hour": 7, "minute": 14, "second": 10}
